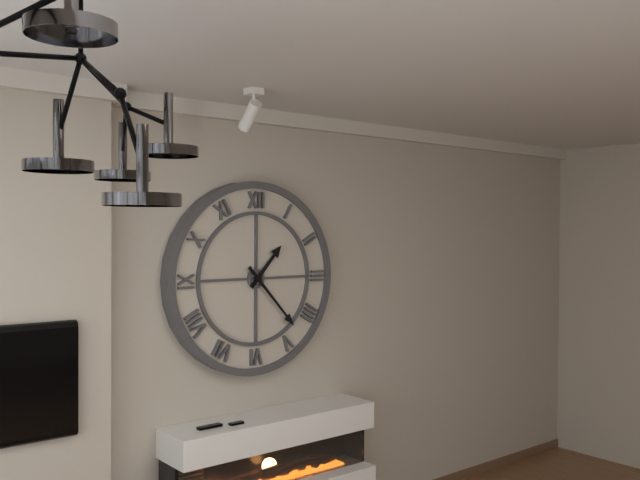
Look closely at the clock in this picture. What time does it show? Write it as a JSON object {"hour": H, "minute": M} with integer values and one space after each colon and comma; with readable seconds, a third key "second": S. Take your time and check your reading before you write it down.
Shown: {"hour": 1, "minute": 23}
